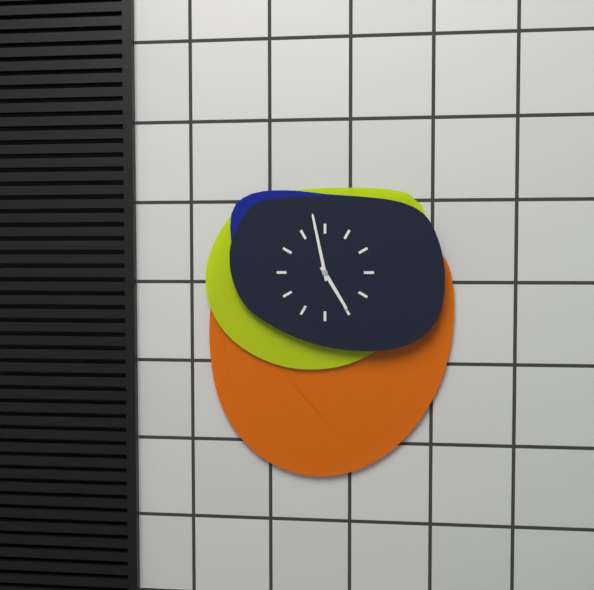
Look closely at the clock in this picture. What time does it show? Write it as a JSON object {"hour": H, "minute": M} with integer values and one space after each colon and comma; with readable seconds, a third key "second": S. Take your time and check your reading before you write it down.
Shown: {"hour": 4, "minute": 58}
